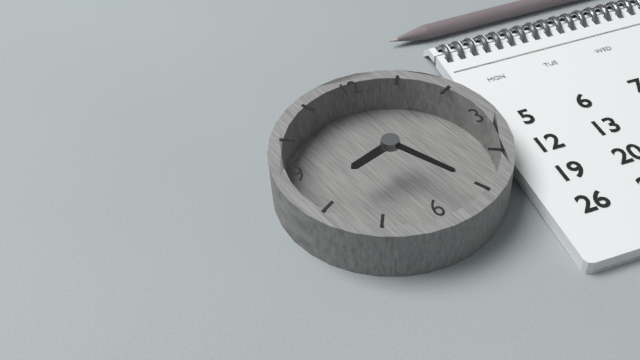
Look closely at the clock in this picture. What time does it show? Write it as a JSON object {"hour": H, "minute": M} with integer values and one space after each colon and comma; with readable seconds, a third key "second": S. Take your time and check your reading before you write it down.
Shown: {"hour": 8, "minute": 25}
